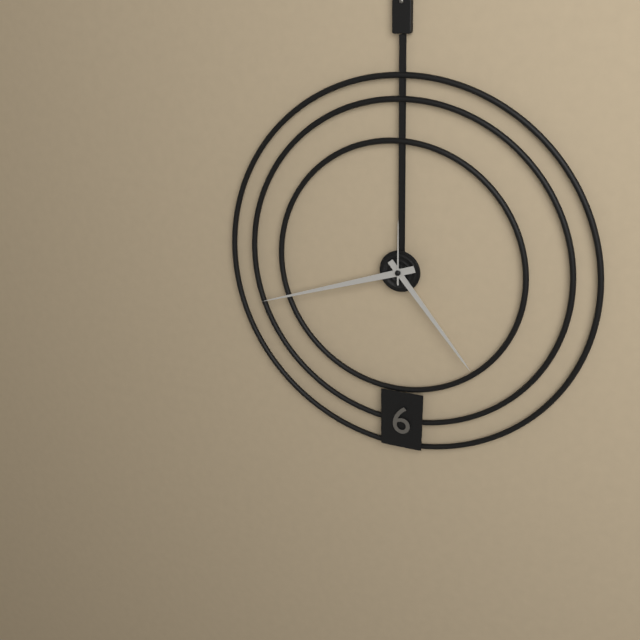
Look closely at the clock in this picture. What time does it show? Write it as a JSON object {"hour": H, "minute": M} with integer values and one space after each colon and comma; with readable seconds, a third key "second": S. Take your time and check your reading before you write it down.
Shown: {"hour": 4, "minute": 42, "second": 0}
